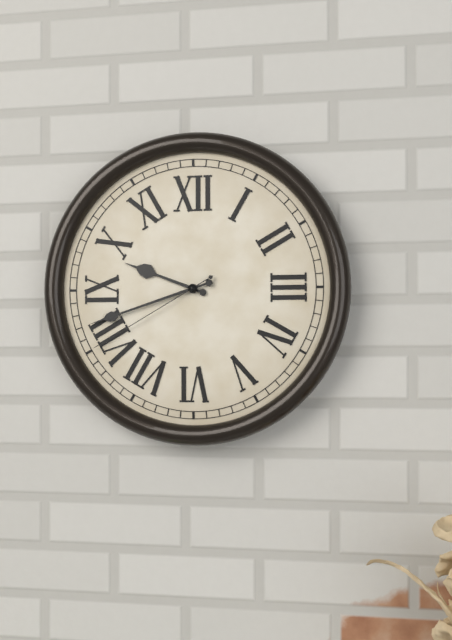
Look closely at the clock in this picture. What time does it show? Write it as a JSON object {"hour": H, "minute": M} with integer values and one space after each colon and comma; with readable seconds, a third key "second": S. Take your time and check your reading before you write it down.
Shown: {"hour": 9, "minute": 42, "second": 40}
